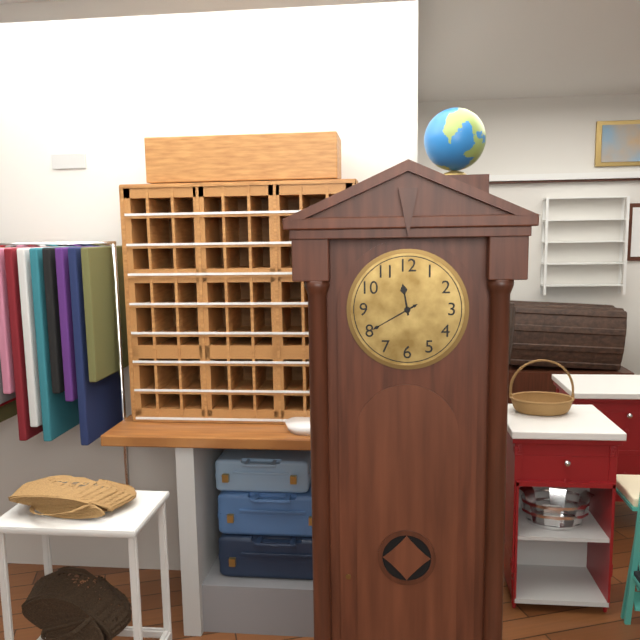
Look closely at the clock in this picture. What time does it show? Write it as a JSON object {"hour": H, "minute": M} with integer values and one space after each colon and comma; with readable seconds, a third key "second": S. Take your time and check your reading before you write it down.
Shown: {"hour": 11, "minute": 40}
